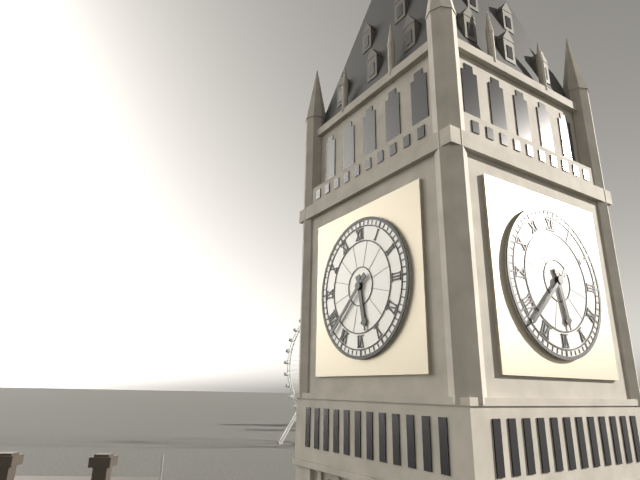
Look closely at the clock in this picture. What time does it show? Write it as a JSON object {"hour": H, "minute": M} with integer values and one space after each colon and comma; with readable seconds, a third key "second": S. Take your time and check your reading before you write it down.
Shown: {"hour": 5, "minute": 38}
